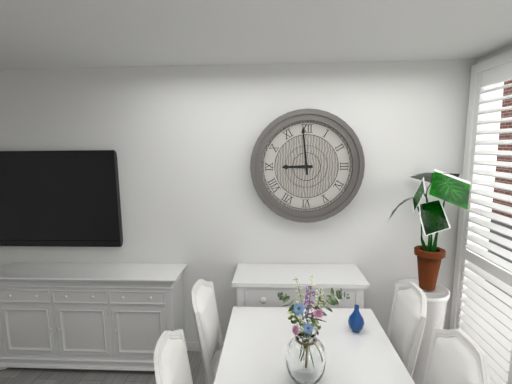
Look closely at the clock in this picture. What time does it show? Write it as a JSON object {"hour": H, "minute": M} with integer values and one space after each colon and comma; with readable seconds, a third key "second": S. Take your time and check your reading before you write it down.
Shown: {"hour": 8, "minute": 59}
